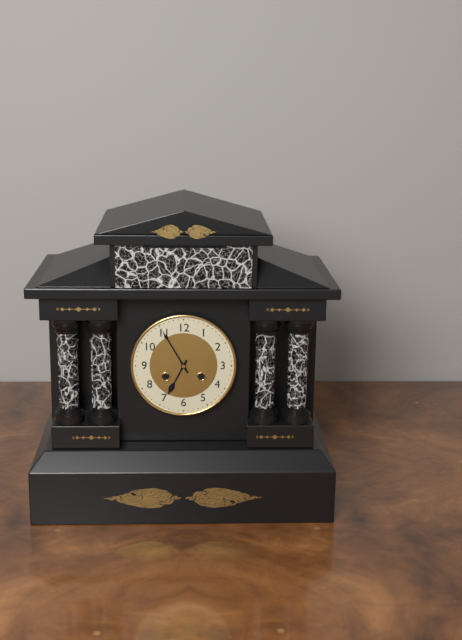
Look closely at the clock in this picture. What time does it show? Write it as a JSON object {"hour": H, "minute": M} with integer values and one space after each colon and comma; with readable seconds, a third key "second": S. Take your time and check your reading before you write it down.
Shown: {"hour": 6, "minute": 55}
